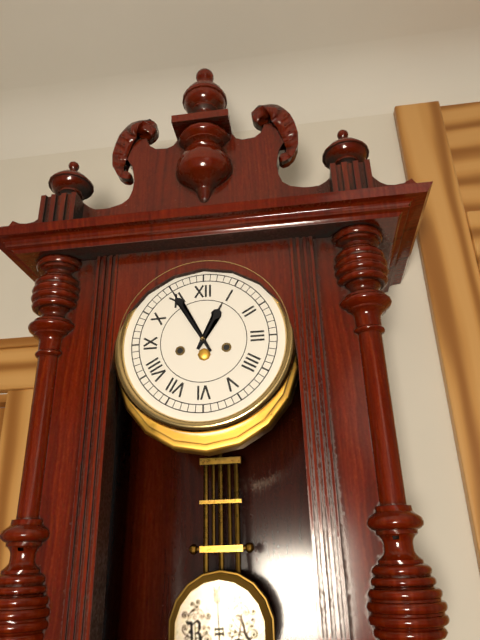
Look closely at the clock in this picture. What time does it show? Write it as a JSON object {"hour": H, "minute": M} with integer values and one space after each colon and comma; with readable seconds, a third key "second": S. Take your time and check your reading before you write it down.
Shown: {"hour": 12, "minute": 55}
